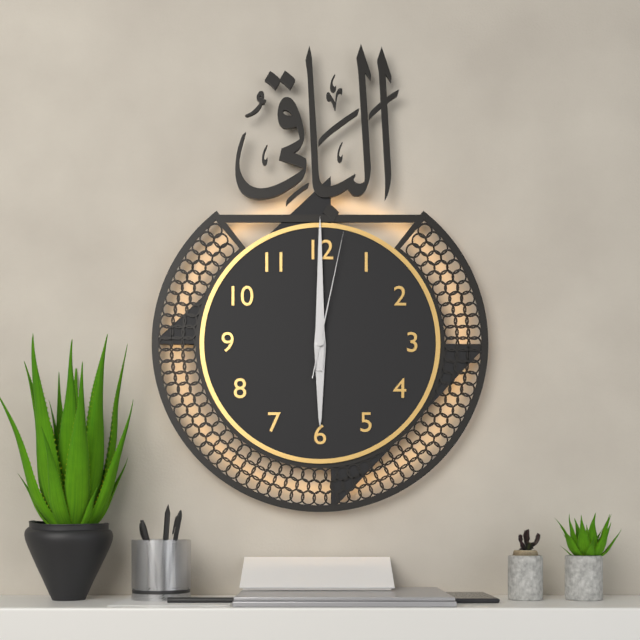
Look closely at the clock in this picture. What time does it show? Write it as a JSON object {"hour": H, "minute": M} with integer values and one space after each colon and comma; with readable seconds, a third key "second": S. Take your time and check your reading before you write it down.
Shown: {"hour": 6, "minute": 0, "second": 2}
